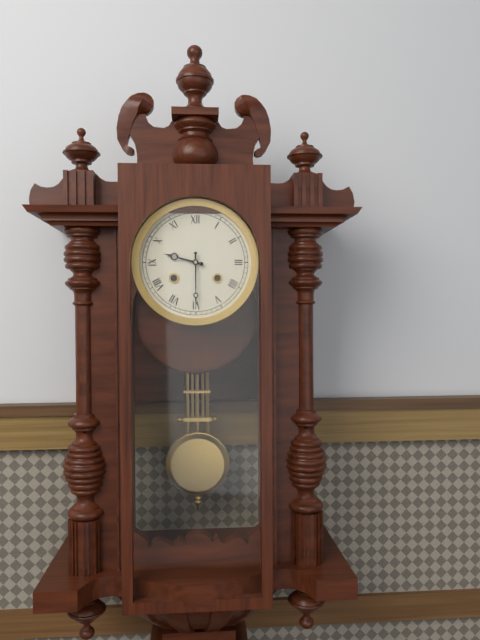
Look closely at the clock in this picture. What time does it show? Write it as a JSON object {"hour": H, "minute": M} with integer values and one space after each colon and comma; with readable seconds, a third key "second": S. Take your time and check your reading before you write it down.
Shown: {"hour": 9, "minute": 30}
